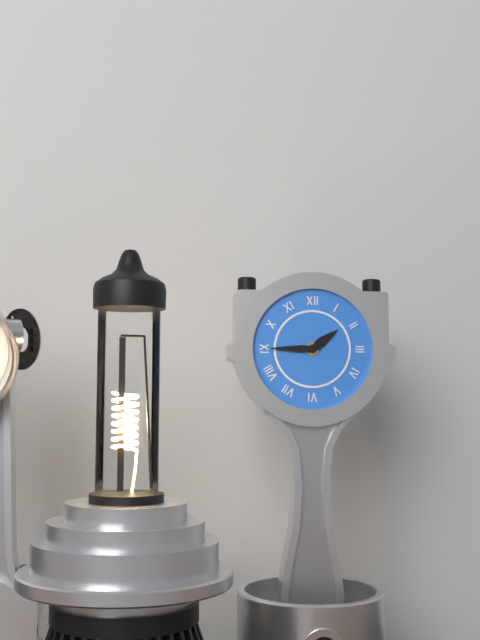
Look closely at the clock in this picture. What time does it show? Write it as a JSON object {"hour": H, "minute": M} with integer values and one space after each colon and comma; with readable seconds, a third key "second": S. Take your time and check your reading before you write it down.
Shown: {"hour": 1, "minute": 45}
